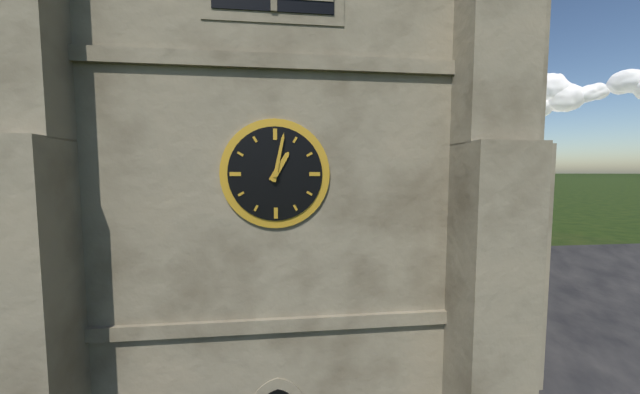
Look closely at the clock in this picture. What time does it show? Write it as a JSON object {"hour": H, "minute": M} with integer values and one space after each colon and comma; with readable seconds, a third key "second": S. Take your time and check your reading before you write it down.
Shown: {"hour": 1, "minute": 2}
